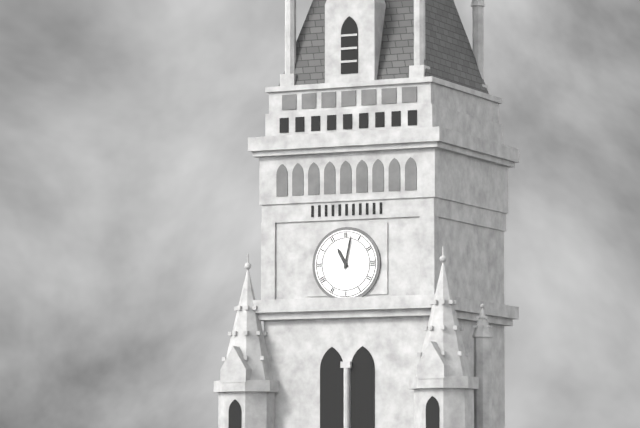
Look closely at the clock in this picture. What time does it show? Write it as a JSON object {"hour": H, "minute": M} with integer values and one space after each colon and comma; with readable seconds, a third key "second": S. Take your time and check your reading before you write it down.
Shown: {"hour": 11, "minute": 2}
